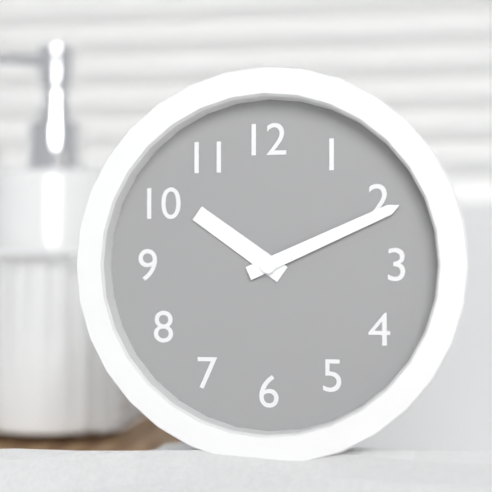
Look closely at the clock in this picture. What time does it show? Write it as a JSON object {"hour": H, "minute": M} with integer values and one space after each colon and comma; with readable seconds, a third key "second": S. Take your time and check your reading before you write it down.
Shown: {"hour": 10, "minute": 11}
